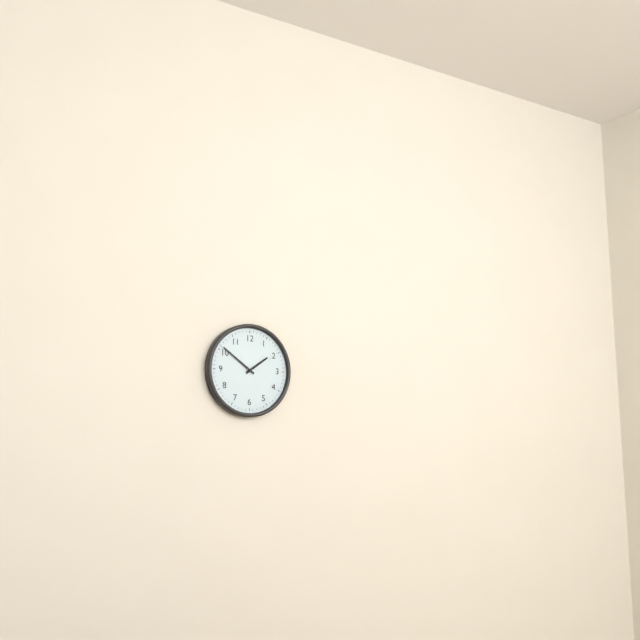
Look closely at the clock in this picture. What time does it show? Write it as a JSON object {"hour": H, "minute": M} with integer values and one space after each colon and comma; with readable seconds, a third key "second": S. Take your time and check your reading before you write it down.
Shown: {"hour": 1, "minute": 51}
